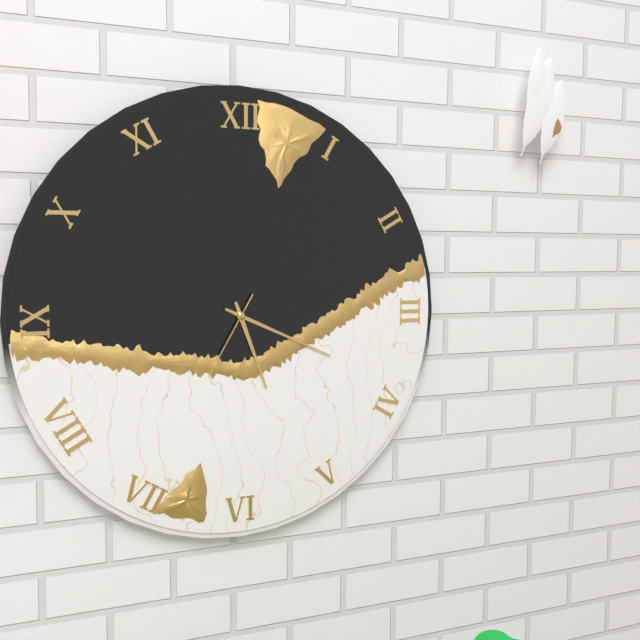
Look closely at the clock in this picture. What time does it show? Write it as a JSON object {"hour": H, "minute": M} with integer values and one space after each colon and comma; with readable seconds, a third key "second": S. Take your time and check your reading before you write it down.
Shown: {"hour": 5, "minute": 19, "second": 35}
